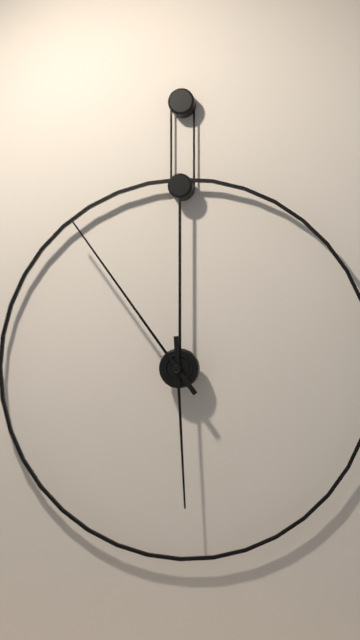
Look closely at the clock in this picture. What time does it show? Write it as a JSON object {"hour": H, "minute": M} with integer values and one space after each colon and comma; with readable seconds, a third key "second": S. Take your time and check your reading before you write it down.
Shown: {"hour": 5, "minute": 54}
